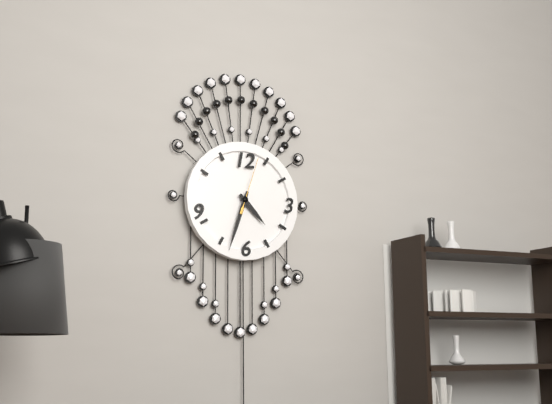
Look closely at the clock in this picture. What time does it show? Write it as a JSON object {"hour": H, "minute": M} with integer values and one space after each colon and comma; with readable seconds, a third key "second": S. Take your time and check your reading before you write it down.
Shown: {"hour": 4, "minute": 33, "second": 3}
